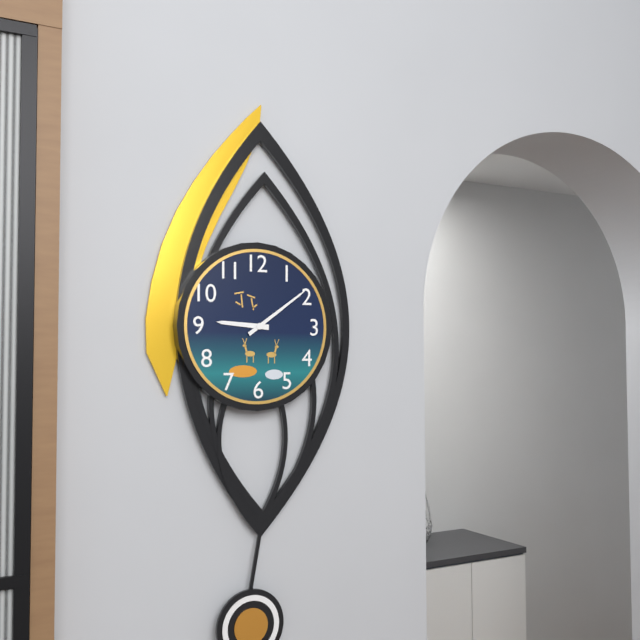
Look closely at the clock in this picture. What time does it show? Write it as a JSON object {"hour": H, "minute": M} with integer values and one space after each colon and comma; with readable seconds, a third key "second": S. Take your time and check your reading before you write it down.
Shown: {"hour": 9, "minute": 9}
